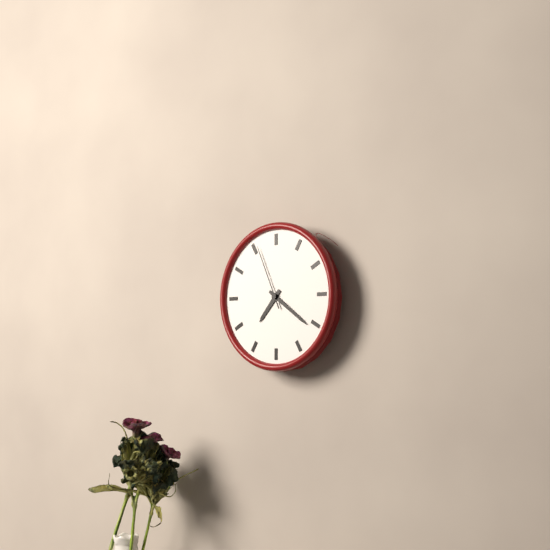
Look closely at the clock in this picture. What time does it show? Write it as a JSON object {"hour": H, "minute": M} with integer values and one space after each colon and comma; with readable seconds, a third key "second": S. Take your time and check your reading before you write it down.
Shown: {"hour": 7, "minute": 21, "second": 56}
